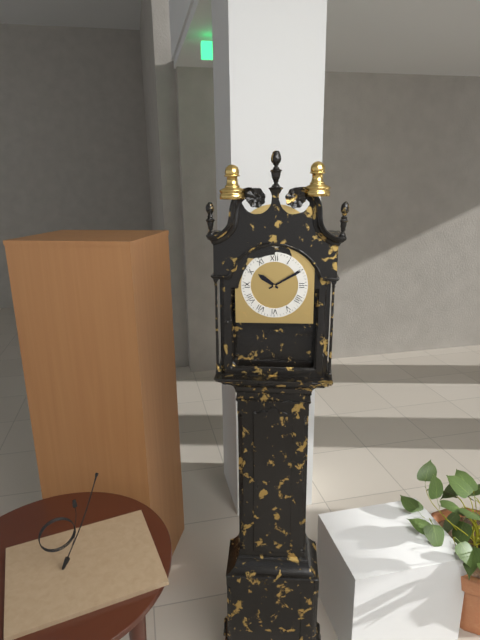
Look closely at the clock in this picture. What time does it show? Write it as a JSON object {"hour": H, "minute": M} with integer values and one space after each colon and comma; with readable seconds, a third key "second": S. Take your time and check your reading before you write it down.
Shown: {"hour": 10, "minute": 10}
